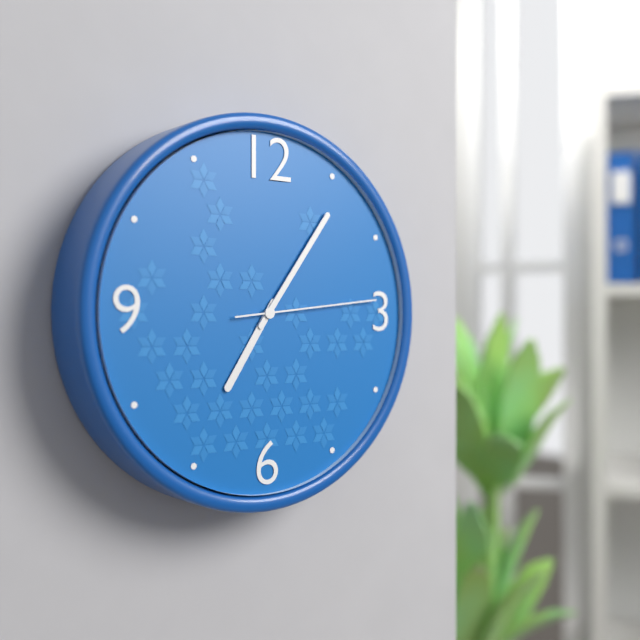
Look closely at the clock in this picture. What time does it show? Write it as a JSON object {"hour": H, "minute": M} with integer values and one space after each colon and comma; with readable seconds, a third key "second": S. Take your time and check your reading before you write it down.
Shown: {"hour": 7, "minute": 6, "second": 14}
